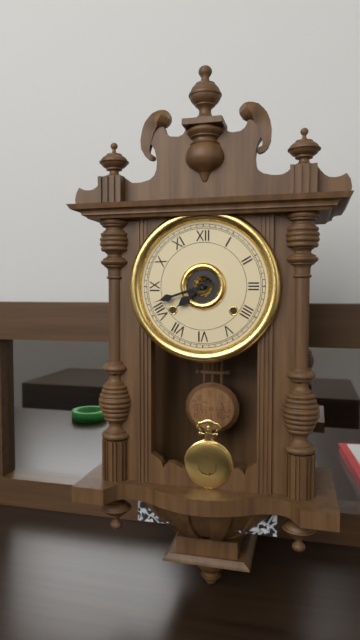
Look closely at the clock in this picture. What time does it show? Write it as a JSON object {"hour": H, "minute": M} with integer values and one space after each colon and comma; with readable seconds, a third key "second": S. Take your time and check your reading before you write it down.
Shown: {"hour": 7, "minute": 42}
